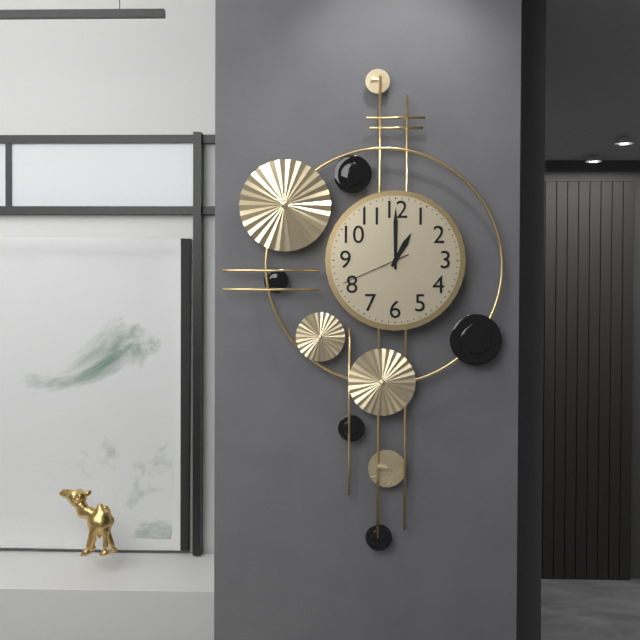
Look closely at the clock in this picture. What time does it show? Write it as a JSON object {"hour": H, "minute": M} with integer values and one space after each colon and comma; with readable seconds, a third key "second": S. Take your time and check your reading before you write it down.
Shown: {"hour": 1, "minute": 0, "second": 41}
